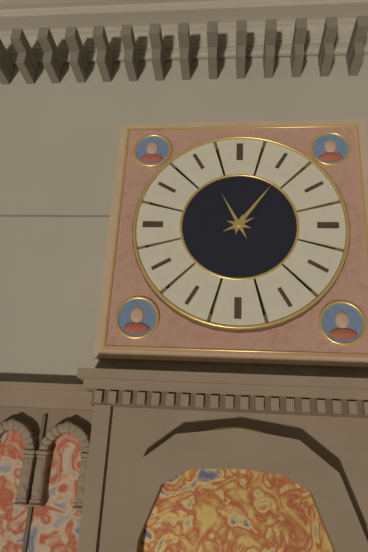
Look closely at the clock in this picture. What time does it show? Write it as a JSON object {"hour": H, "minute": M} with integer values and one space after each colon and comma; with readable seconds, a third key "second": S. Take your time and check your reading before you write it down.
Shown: {"hour": 11, "minute": 6}
